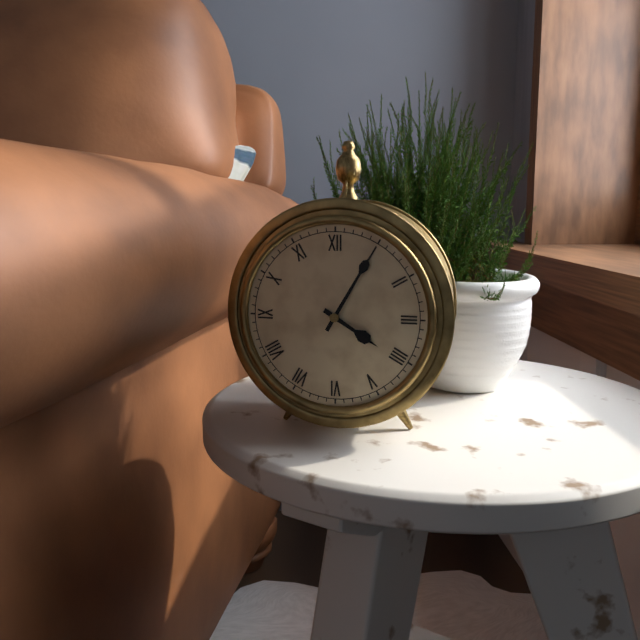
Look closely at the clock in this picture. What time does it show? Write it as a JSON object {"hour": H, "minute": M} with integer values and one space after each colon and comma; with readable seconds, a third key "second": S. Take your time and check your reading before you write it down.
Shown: {"hour": 4, "minute": 5}
